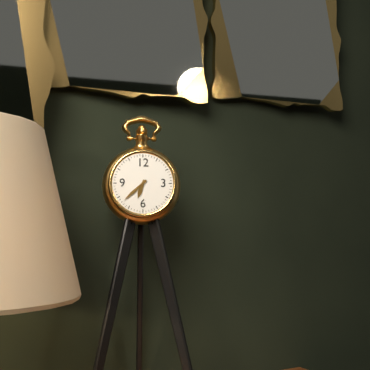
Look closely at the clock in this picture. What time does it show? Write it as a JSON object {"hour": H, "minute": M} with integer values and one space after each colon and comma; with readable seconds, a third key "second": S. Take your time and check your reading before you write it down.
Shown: {"hour": 6, "minute": 38}
